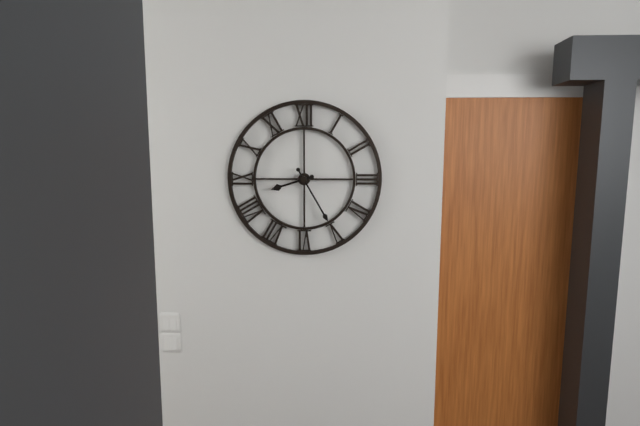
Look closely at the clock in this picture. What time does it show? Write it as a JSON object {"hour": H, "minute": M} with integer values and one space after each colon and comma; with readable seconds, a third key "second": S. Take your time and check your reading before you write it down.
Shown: {"hour": 8, "minute": 25}
